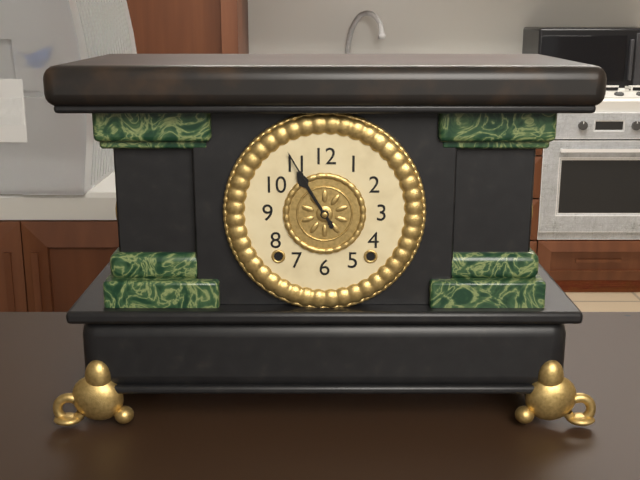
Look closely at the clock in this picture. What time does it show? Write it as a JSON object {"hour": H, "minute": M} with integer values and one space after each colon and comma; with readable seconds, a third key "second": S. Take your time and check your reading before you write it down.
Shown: {"hour": 10, "minute": 55}
